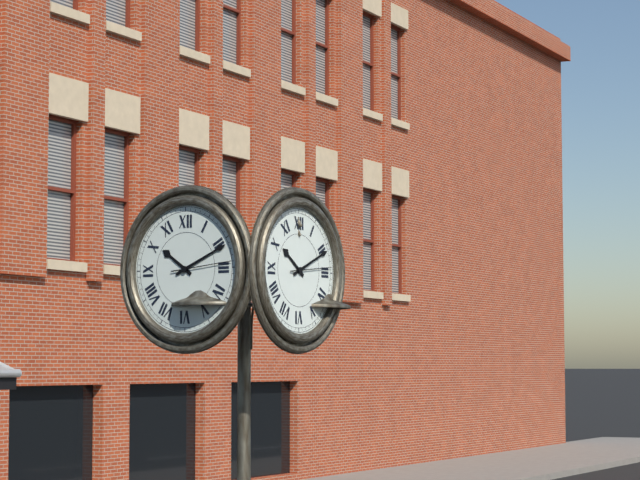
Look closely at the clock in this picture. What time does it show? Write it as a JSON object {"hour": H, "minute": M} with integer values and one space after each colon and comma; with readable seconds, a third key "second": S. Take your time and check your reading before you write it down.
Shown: {"hour": 10, "minute": 11}
